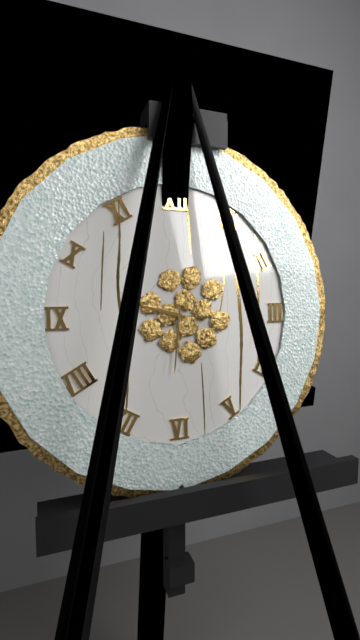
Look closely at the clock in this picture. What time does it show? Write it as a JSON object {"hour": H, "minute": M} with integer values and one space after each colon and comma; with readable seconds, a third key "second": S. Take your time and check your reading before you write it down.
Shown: {"hour": 9, "minute": 31, "second": 16}
